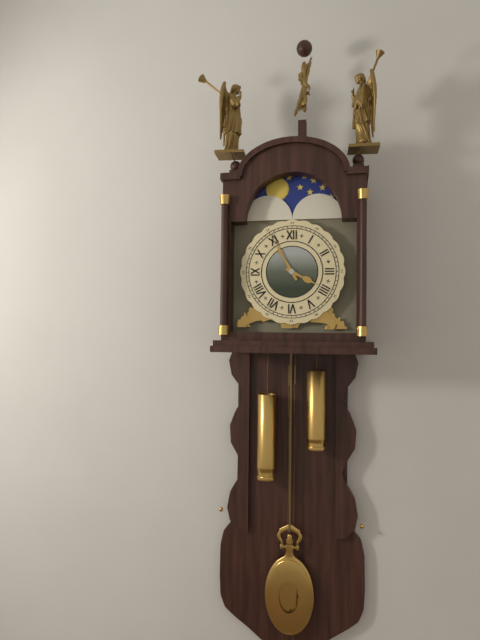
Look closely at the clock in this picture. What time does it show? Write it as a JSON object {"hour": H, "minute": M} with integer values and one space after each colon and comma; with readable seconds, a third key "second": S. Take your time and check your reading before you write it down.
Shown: {"hour": 3, "minute": 55}
